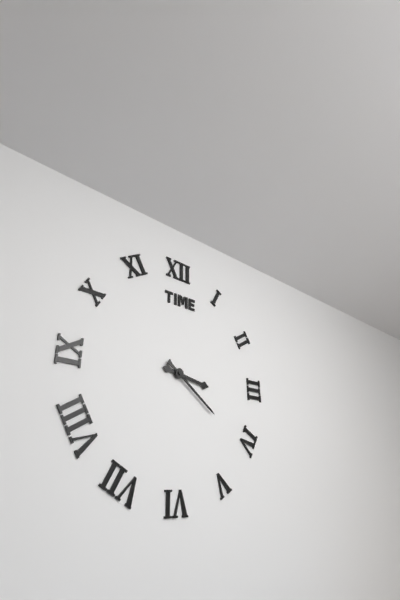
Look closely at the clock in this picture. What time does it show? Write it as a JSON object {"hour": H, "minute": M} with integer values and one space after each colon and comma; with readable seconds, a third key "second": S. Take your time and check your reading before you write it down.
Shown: {"hour": 3, "minute": 21}
